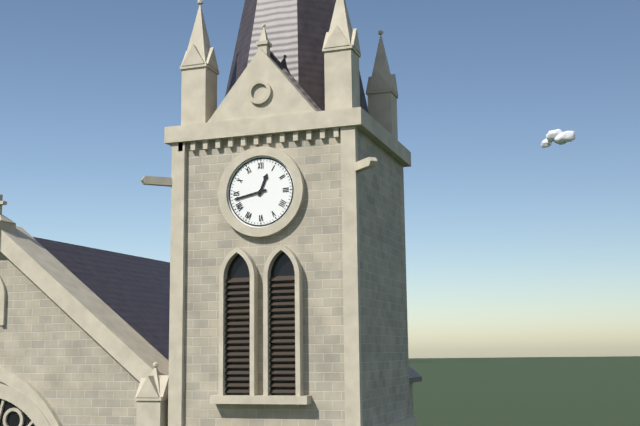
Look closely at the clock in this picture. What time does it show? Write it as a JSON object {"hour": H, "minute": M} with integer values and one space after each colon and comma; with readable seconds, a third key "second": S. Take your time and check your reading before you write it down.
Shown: {"hour": 12, "minute": 43}
